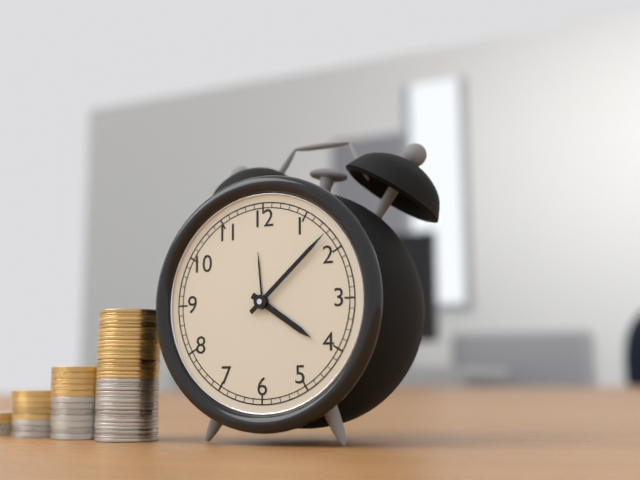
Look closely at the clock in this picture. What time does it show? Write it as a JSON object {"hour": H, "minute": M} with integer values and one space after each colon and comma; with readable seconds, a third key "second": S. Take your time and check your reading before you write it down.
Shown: {"hour": 4, "minute": 8}
